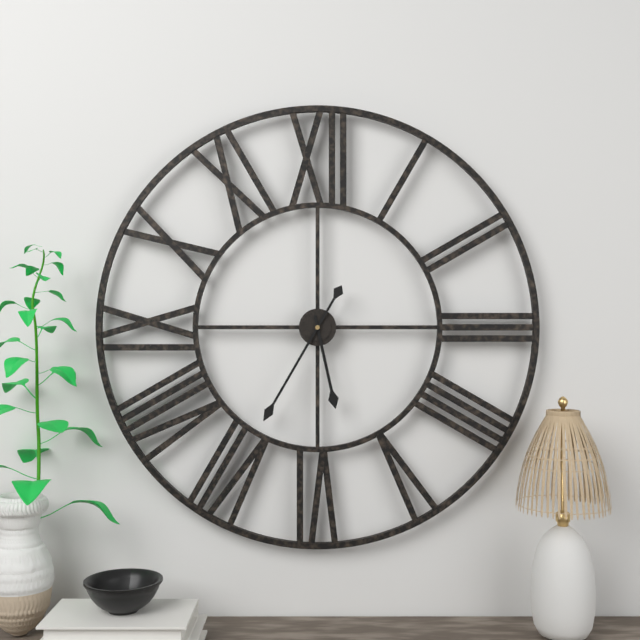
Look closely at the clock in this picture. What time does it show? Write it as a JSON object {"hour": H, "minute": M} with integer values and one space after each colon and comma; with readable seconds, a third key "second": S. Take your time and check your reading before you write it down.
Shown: {"hour": 5, "minute": 35}
